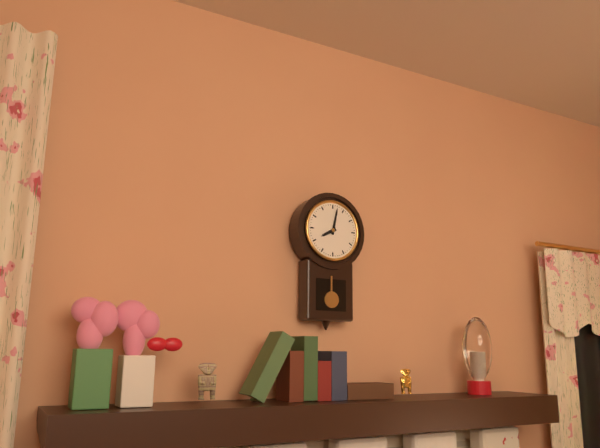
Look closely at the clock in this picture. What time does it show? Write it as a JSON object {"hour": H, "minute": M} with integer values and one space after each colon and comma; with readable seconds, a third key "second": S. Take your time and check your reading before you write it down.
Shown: {"hour": 8, "minute": 2}
